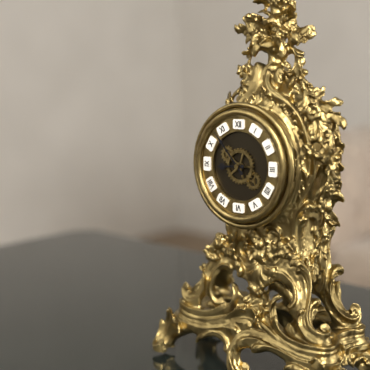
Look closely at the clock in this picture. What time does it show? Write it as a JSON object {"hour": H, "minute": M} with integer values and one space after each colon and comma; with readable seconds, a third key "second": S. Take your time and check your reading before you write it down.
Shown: {"hour": 8, "minute": 53}
